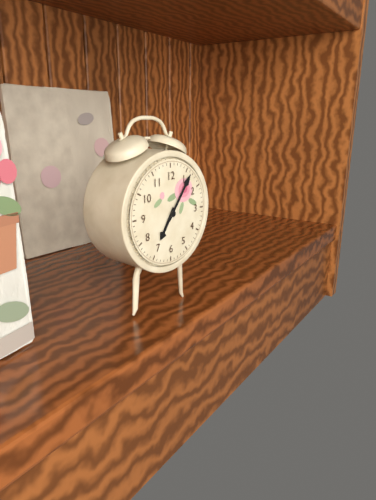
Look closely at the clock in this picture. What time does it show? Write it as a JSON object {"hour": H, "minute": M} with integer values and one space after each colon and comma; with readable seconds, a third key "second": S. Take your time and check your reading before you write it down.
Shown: {"hour": 7, "minute": 6}
